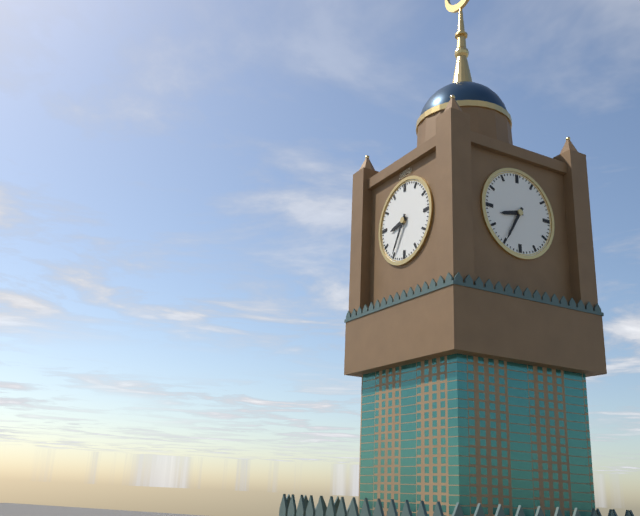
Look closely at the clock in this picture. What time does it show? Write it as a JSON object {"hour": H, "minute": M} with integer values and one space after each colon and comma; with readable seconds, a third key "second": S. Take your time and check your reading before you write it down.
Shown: {"hour": 8, "minute": 35}
